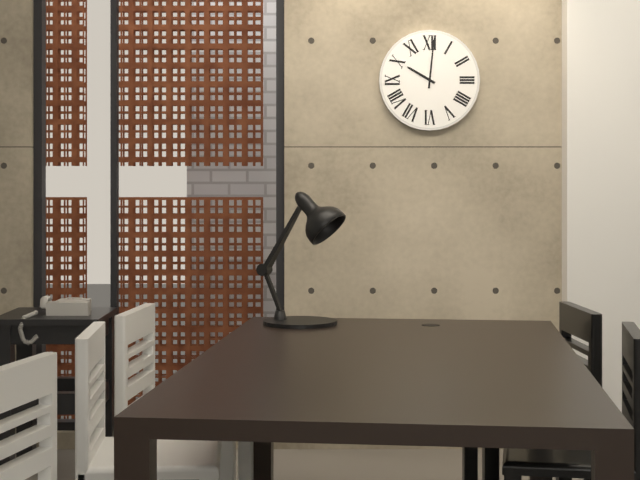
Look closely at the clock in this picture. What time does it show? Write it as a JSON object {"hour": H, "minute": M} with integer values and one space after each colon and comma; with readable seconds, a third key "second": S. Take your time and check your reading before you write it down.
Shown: {"hour": 10, "minute": 1}
